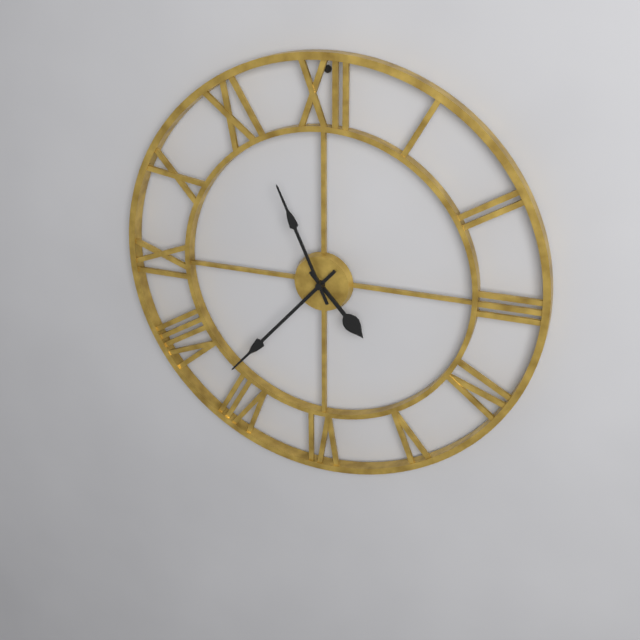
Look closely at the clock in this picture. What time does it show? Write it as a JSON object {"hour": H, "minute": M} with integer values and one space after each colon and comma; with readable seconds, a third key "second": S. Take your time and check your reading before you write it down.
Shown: {"hour": 4, "minute": 37, "second": 56}
